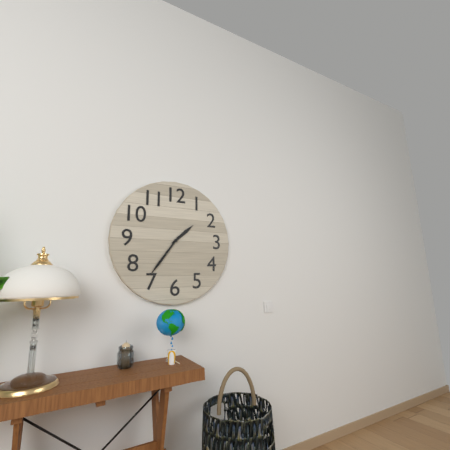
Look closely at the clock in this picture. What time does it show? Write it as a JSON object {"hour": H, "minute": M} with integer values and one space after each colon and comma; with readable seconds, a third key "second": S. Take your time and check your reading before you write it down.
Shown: {"hour": 1, "minute": 36}
